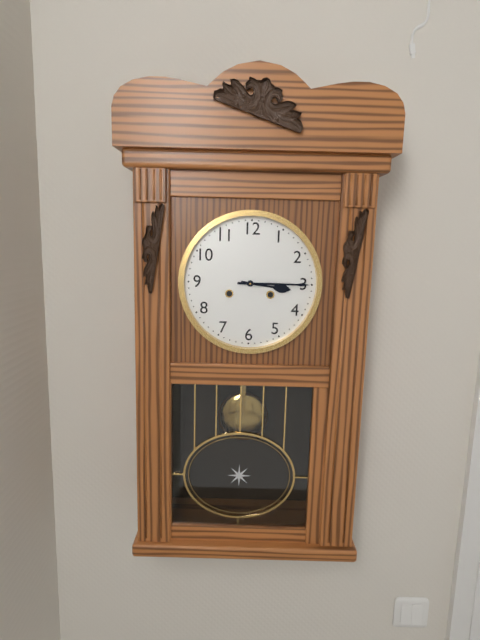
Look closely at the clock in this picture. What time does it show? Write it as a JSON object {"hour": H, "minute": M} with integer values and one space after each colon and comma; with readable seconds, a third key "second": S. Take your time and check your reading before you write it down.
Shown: {"hour": 3, "minute": 15}
